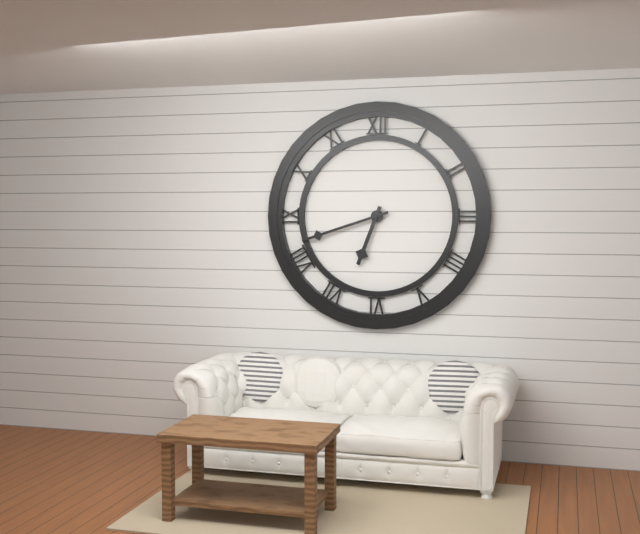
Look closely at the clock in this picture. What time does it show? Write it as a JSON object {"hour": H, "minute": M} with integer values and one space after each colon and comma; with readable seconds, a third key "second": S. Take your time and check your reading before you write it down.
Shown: {"hour": 6, "minute": 42}
